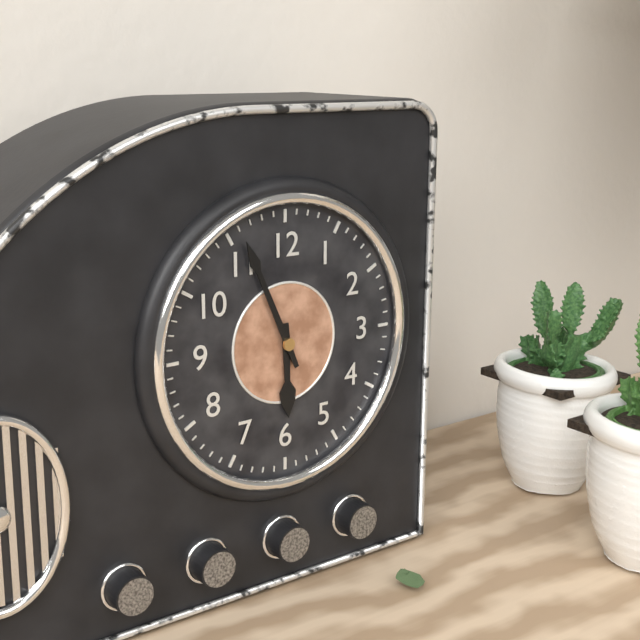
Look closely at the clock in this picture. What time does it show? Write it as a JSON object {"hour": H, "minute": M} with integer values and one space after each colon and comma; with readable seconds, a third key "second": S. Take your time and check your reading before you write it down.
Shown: {"hour": 5, "minute": 56}
